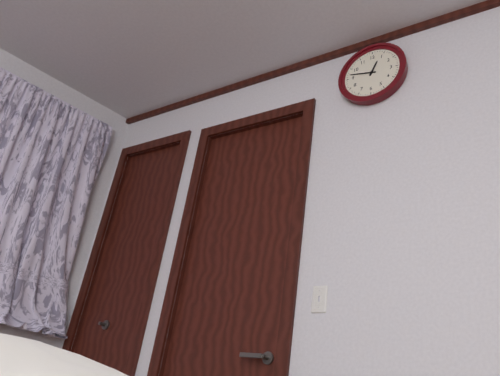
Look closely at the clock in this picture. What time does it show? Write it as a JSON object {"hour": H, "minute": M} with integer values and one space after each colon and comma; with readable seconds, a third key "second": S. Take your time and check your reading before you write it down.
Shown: {"hour": 12, "minute": 47}
